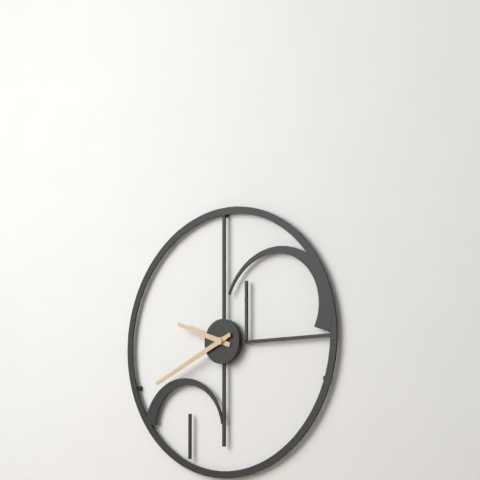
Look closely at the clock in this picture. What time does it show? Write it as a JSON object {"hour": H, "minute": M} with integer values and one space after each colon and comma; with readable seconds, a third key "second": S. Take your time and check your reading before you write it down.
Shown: {"hour": 9, "minute": 41}
